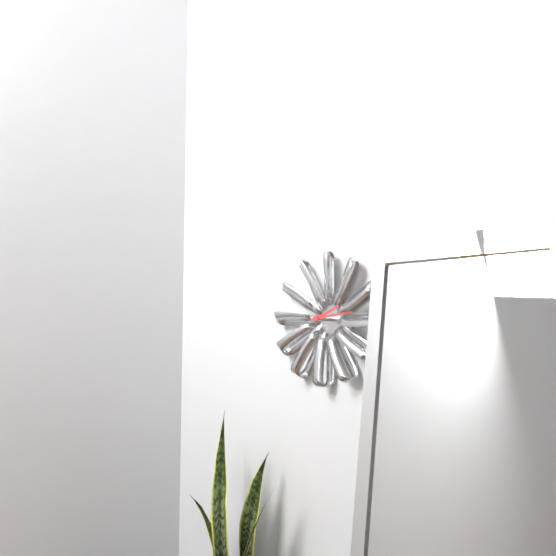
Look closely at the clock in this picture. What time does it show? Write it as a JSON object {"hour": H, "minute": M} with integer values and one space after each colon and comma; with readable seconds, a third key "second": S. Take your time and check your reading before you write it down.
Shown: {"hour": 2, "minute": 14}
